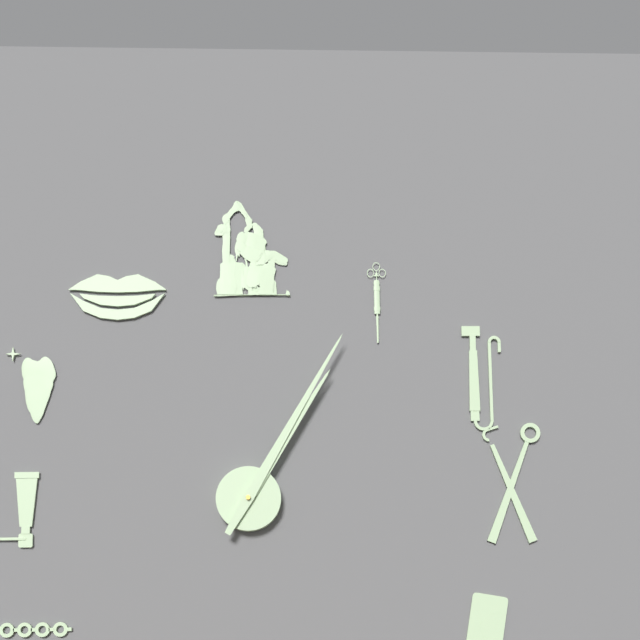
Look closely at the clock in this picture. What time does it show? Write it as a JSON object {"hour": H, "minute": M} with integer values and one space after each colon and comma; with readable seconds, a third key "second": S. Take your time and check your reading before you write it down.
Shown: {"hour": 1, "minute": 5}
